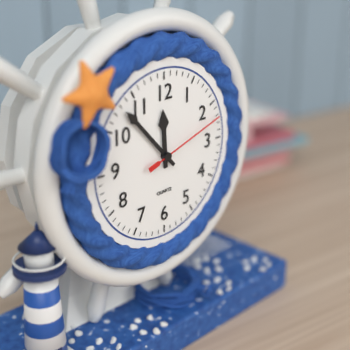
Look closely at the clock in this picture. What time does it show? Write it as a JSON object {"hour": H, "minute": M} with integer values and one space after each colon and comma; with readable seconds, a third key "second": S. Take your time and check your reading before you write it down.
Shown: {"hour": 11, "minute": 53, "second": 12}
